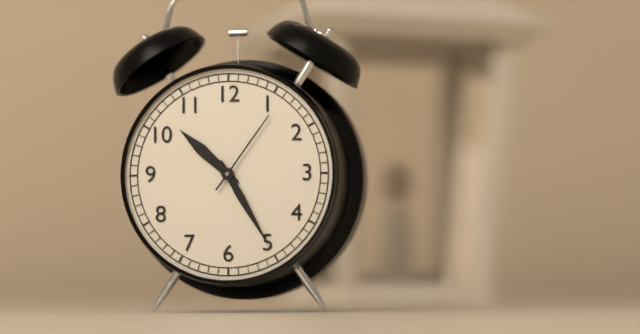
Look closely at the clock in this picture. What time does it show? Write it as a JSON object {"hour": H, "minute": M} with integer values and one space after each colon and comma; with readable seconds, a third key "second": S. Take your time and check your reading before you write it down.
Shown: {"hour": 10, "minute": 25, "second": 6}
